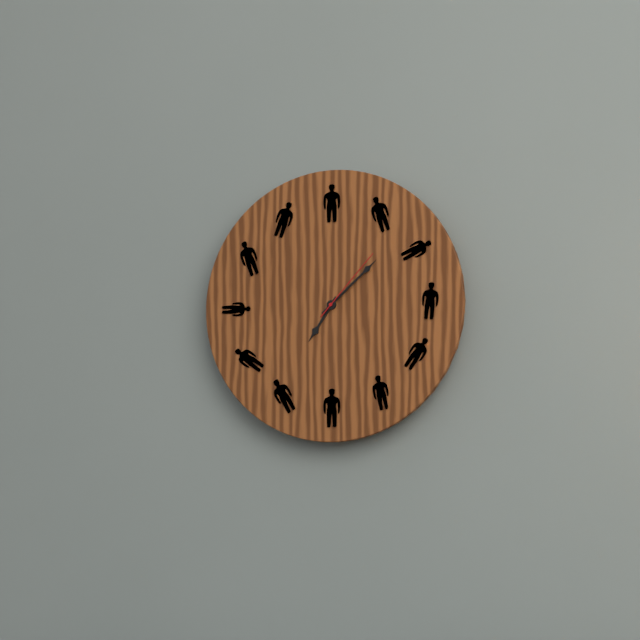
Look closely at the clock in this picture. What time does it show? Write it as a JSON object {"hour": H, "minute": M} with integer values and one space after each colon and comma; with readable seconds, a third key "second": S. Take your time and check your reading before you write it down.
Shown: {"hour": 7, "minute": 8, "second": 7}
